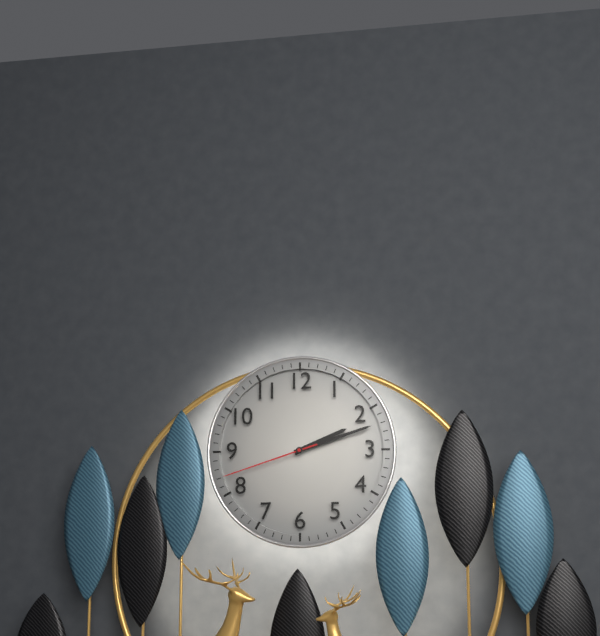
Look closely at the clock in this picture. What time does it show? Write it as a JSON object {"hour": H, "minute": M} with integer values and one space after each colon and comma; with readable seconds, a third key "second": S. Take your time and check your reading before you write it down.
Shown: {"hour": 2, "minute": 12, "second": 42}
